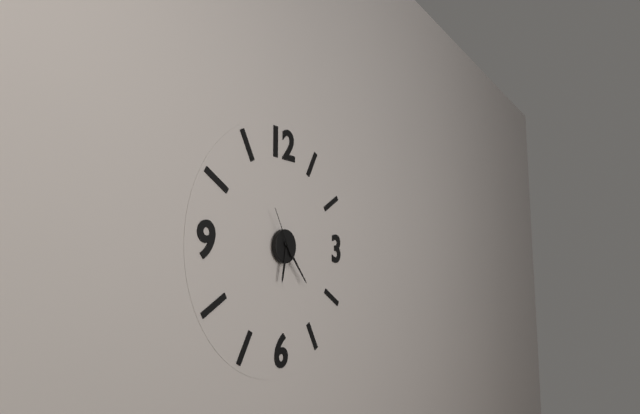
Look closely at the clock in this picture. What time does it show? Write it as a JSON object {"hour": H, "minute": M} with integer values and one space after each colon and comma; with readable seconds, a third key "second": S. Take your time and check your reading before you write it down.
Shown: {"hour": 6, "minute": 23, "second": 55}
